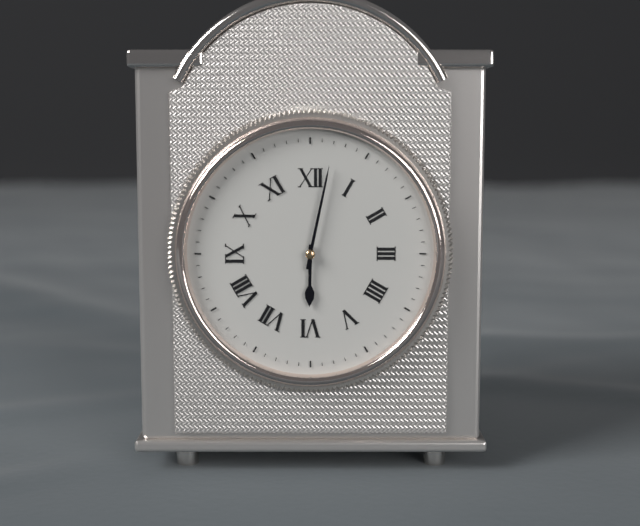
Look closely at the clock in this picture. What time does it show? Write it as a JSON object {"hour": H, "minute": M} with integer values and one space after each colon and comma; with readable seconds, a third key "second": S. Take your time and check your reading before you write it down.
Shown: {"hour": 6, "minute": 2}
